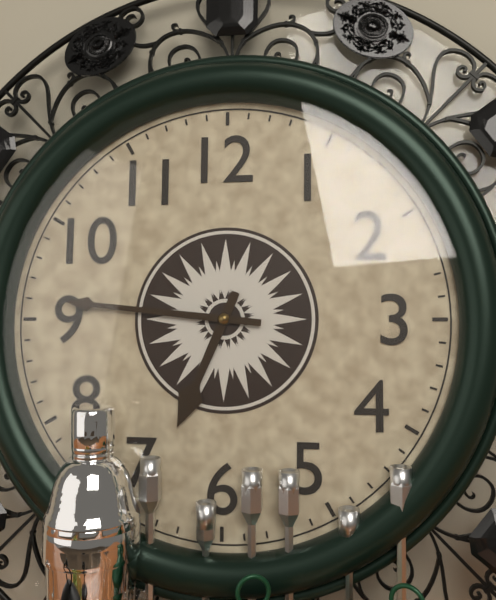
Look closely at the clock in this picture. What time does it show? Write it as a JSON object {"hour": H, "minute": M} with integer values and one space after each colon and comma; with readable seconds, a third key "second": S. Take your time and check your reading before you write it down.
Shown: {"hour": 6, "minute": 46}
